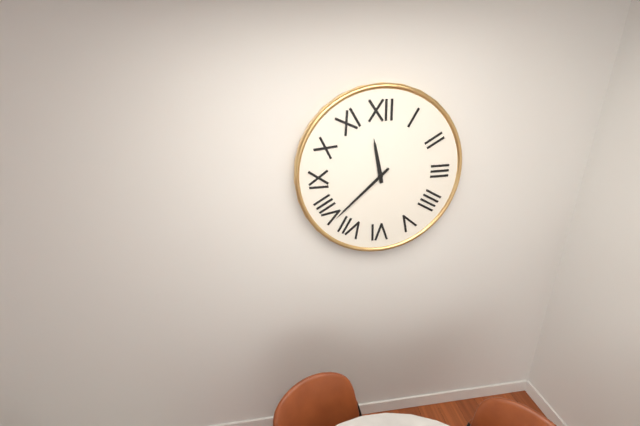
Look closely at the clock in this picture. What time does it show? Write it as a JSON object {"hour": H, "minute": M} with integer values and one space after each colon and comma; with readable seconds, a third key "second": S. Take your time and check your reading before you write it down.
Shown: {"hour": 11, "minute": 38}
